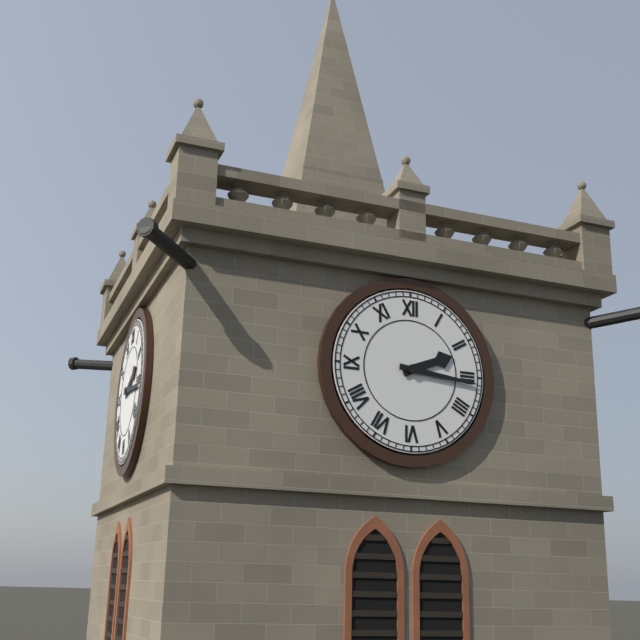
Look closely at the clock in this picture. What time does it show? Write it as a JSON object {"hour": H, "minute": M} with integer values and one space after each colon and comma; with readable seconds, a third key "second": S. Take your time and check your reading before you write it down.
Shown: {"hour": 2, "minute": 16}
